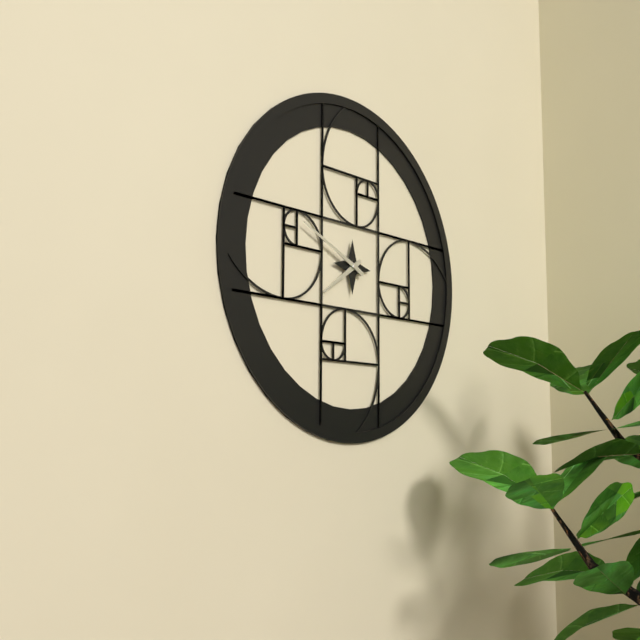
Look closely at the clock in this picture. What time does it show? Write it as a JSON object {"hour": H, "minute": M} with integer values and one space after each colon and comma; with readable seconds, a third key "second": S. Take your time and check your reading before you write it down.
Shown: {"hour": 7, "minute": 49}
